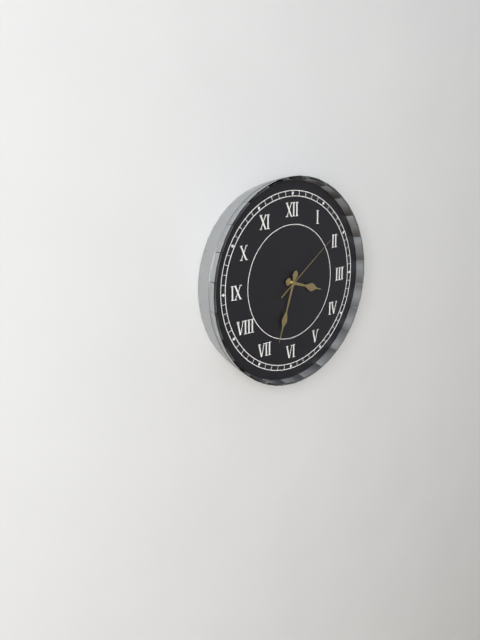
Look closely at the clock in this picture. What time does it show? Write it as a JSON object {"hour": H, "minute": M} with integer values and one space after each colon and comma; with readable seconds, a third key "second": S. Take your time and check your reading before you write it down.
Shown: {"hour": 3, "minute": 33, "second": 9}
